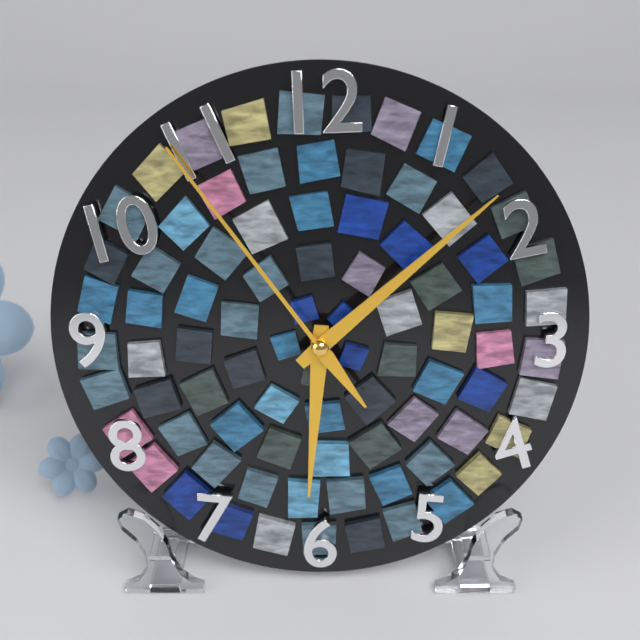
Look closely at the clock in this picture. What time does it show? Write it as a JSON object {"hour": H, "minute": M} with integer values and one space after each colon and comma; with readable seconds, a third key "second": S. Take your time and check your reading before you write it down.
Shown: {"hour": 6, "minute": 8, "second": 54}
